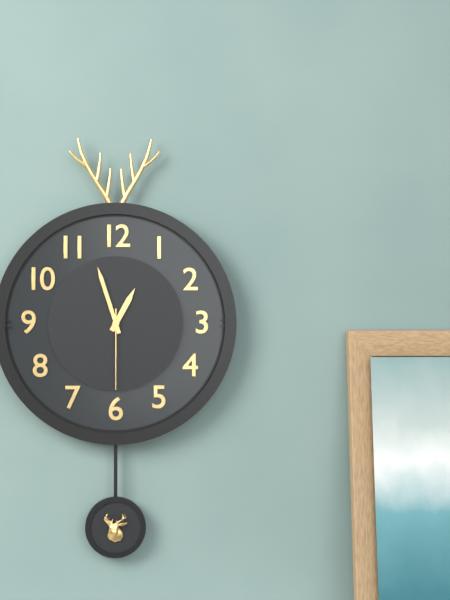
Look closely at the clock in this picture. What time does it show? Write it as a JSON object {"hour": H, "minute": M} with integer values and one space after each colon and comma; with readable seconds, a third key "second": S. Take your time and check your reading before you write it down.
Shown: {"hour": 12, "minute": 57, "second": 30}
